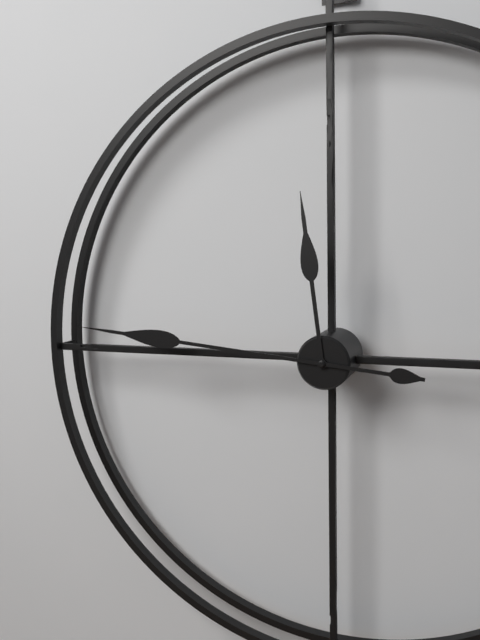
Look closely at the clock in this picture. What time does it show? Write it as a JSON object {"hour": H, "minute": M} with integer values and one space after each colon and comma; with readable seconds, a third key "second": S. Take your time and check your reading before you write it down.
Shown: {"hour": 11, "minute": 46}
